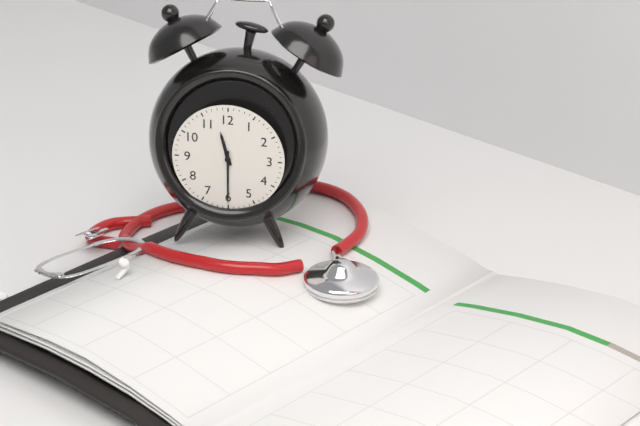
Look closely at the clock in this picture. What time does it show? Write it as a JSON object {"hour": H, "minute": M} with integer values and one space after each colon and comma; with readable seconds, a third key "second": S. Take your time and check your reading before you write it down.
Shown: {"hour": 11, "minute": 30}
